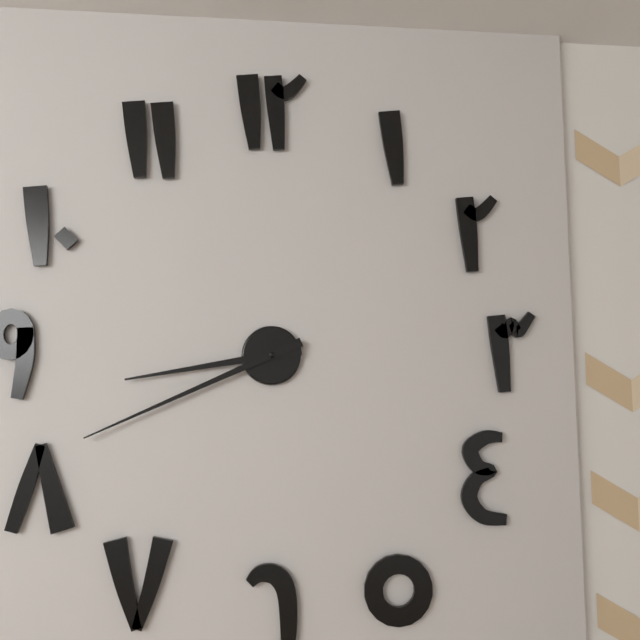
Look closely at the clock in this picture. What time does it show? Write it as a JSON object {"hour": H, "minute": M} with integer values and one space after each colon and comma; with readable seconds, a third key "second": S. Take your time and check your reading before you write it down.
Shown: {"hour": 8, "minute": 41}
